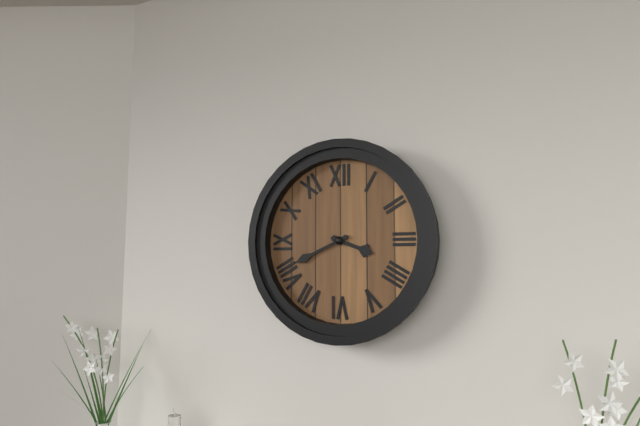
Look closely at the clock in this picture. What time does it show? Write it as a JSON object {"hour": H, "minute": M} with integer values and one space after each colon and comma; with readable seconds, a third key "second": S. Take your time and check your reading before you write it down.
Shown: {"hour": 3, "minute": 41}
